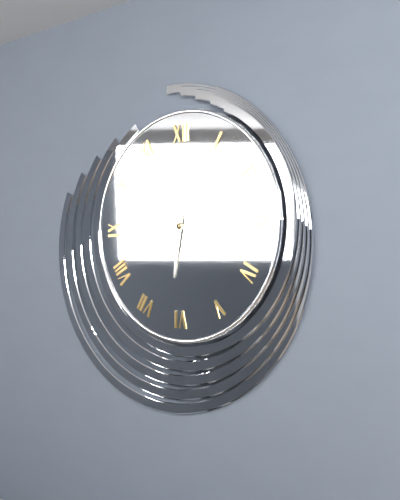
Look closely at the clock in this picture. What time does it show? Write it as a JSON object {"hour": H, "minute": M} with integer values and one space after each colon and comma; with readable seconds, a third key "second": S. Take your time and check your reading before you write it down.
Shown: {"hour": 6, "minute": 17}
